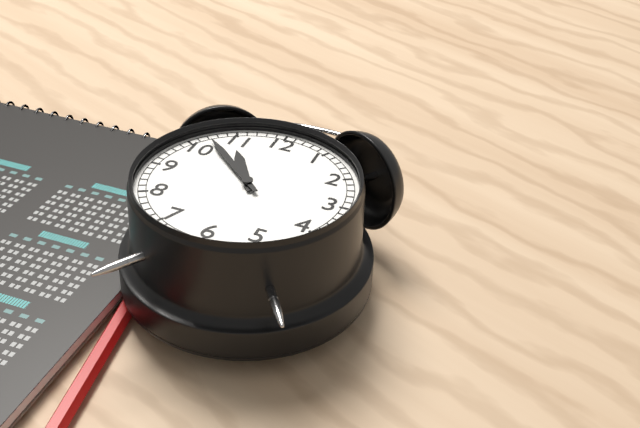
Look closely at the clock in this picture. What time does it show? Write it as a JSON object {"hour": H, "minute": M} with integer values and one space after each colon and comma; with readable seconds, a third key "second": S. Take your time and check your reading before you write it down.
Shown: {"hour": 10, "minute": 52}
